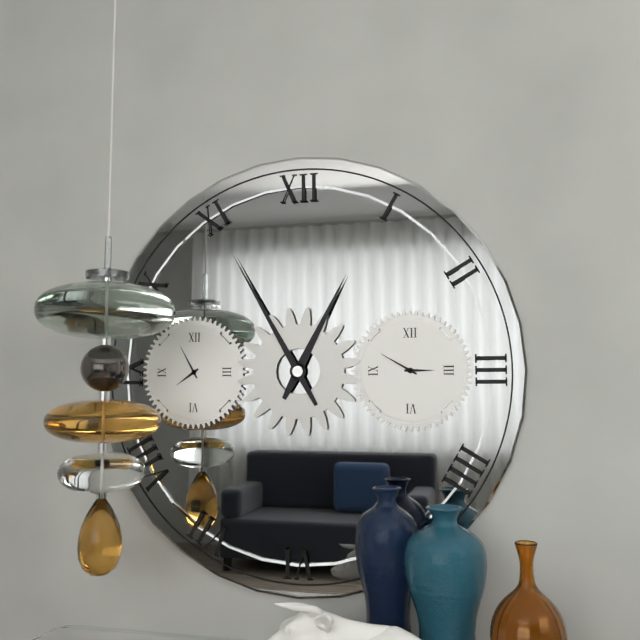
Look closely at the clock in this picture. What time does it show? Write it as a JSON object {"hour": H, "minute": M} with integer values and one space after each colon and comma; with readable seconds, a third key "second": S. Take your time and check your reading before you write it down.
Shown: {"hour": 12, "minute": 55}
